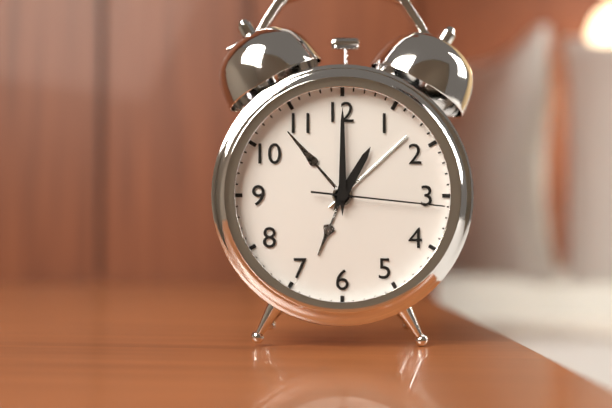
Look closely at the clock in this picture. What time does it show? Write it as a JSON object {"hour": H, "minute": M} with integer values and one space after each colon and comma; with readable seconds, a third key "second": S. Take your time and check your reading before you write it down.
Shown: {"hour": 1, "minute": 0, "second": 16}
